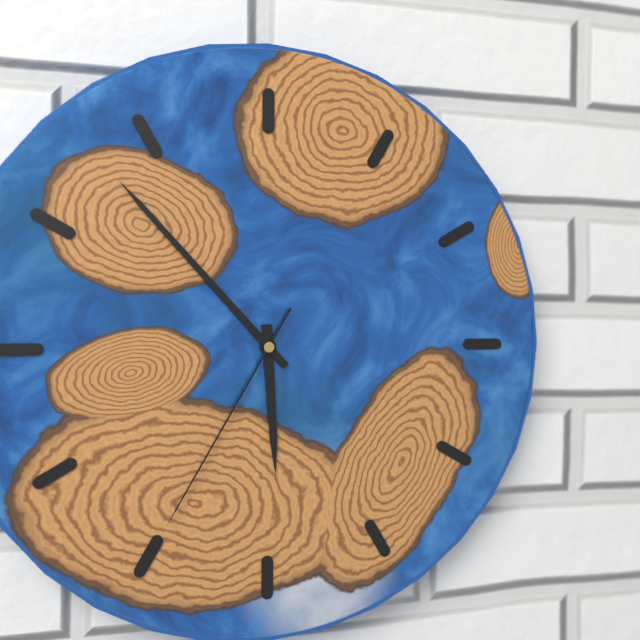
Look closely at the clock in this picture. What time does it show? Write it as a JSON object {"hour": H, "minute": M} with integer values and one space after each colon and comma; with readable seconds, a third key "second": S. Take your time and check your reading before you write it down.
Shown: {"hour": 5, "minute": 53, "second": 35}
